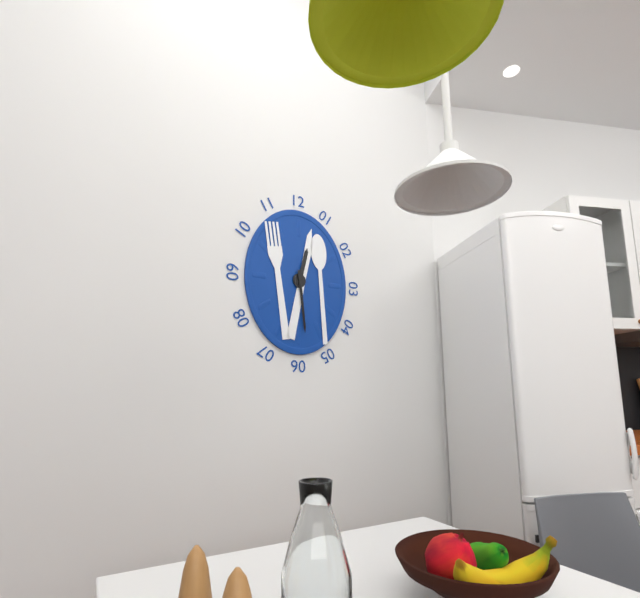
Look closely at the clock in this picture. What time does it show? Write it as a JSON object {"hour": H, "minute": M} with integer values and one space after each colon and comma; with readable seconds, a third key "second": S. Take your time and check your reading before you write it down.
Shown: {"hour": 12, "minute": 29}
